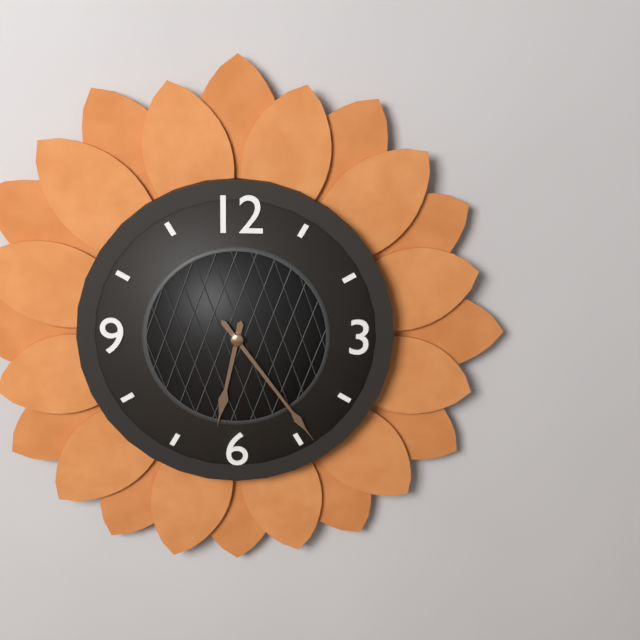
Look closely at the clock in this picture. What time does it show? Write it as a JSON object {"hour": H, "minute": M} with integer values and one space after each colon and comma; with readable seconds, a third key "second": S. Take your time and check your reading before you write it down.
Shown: {"hour": 6, "minute": 24}
